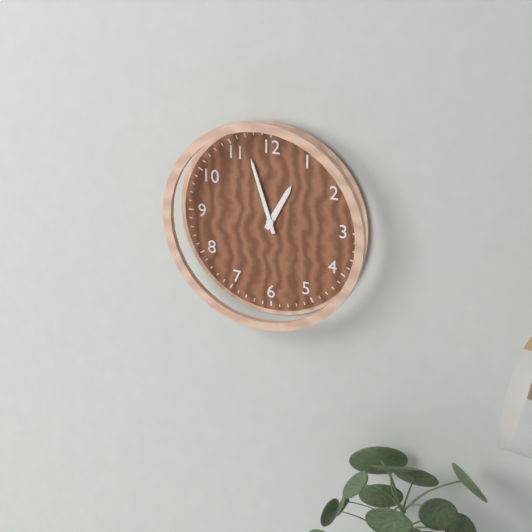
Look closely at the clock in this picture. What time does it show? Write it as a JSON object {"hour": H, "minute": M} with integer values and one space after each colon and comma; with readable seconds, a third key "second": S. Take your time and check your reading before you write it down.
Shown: {"hour": 12, "minute": 57}
